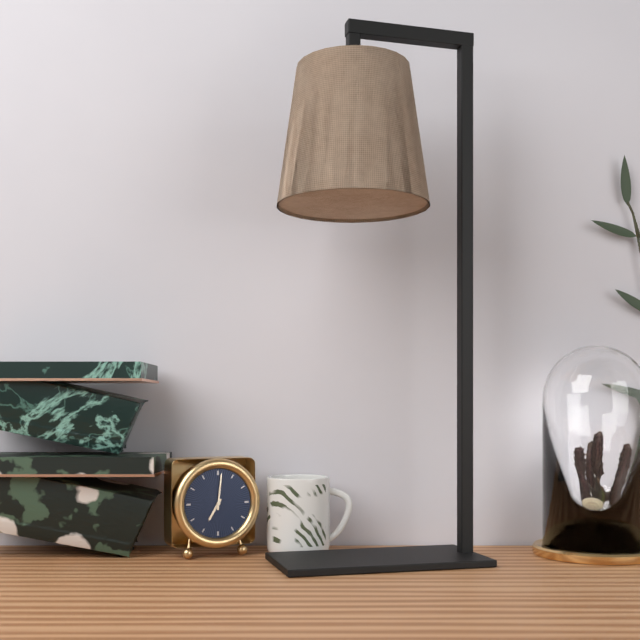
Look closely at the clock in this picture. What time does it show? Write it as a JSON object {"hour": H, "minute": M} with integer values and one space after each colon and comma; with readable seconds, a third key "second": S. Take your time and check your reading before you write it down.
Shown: {"hour": 7, "minute": 1}
